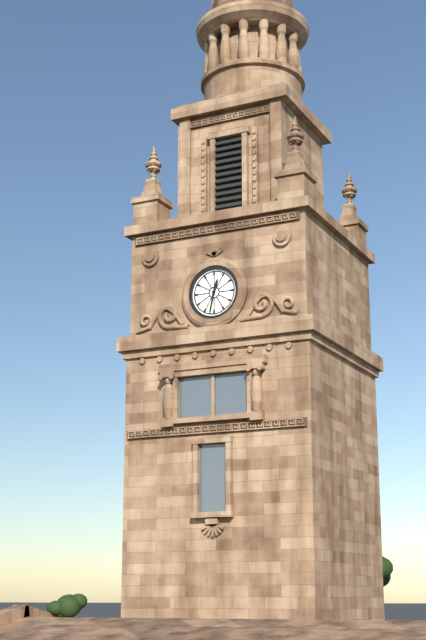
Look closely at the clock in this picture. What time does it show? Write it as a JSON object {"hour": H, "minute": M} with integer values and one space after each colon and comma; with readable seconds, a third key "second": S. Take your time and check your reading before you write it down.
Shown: {"hour": 12, "minute": 32}
